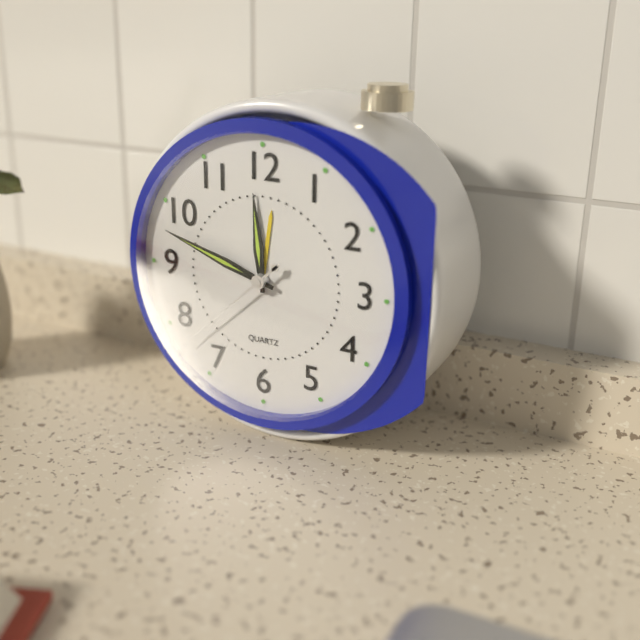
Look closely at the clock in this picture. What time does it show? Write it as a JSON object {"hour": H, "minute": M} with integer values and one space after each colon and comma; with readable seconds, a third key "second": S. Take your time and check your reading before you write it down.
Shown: {"hour": 11, "minute": 48, "second": 38}
